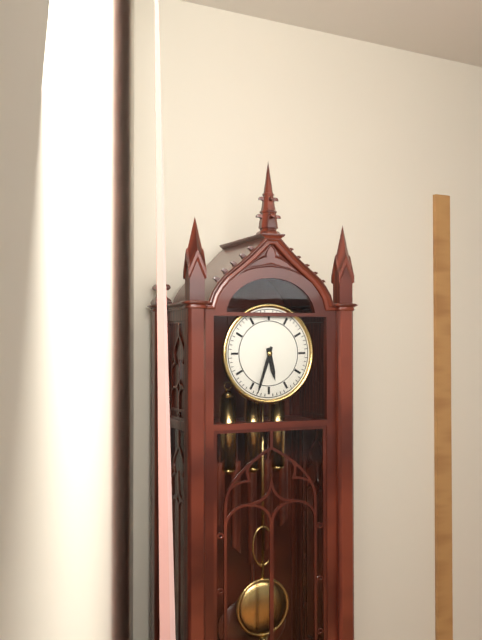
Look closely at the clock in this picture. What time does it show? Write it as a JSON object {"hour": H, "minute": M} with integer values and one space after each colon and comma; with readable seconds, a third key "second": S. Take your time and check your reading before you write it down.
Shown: {"hour": 5, "minute": 33}
